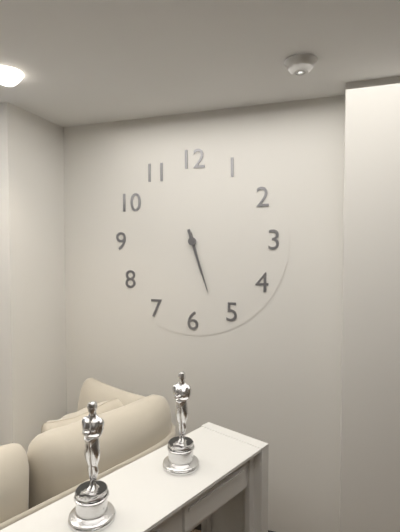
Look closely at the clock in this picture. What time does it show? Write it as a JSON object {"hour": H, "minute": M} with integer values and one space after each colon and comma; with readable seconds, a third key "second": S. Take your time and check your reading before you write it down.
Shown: {"hour": 5, "minute": 27}
